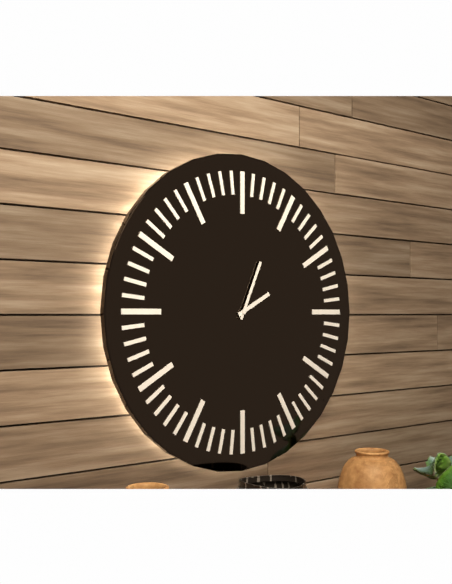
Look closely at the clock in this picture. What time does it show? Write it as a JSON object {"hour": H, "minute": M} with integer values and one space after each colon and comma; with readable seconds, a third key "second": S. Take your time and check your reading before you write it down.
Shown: {"hour": 2, "minute": 4}
